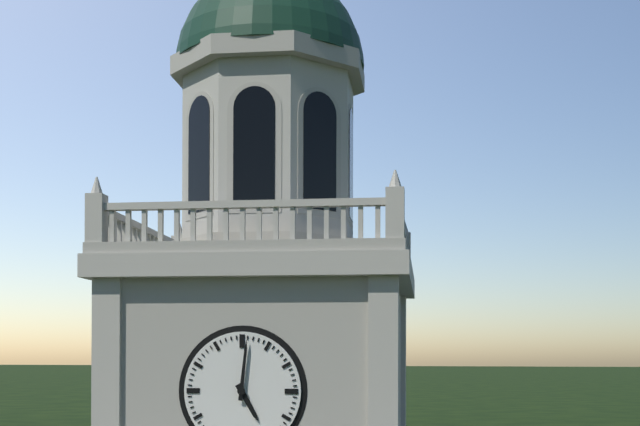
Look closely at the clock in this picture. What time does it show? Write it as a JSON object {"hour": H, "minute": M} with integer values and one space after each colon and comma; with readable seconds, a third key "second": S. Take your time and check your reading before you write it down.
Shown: {"hour": 5, "minute": 1}
